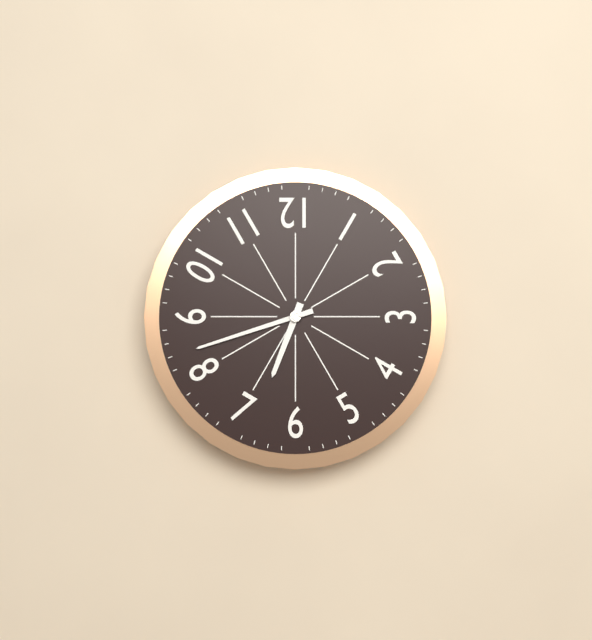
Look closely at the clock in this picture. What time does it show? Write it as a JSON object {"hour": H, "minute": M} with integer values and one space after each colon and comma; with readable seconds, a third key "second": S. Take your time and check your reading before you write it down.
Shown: {"hour": 6, "minute": 42}
